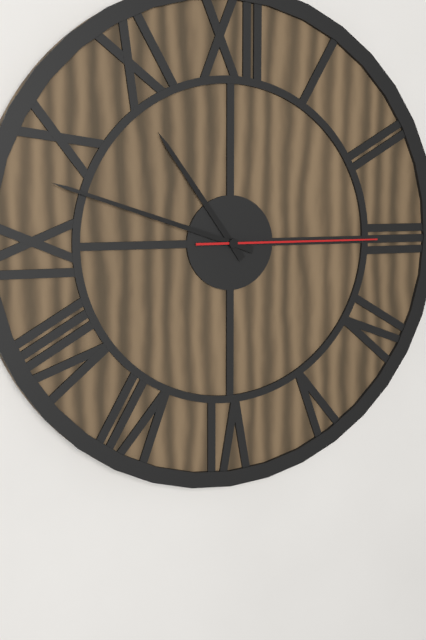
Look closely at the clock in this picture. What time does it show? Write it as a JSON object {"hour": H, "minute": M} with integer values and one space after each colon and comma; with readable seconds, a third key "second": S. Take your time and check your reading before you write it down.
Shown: {"hour": 10, "minute": 48, "second": 15}
